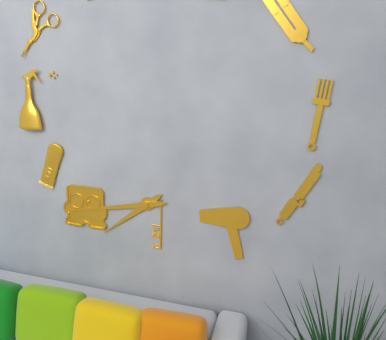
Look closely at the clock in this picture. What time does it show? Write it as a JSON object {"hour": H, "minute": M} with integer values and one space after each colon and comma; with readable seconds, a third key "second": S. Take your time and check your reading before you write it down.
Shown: {"hour": 7, "minute": 43}
